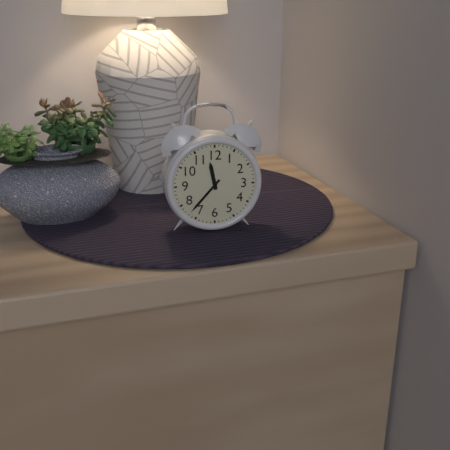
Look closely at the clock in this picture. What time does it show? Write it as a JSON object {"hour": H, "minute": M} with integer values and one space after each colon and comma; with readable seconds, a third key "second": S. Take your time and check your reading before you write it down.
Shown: {"hour": 11, "minute": 37}
